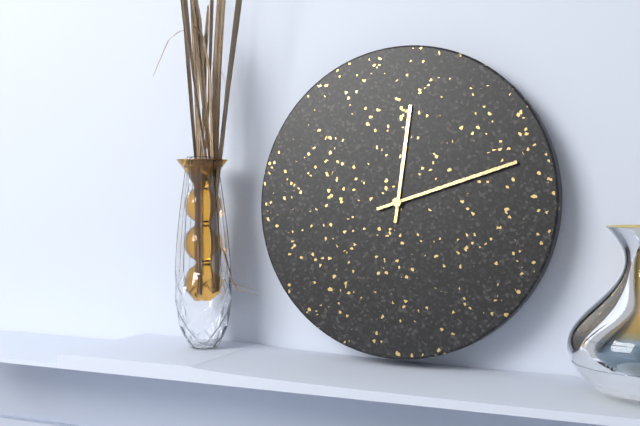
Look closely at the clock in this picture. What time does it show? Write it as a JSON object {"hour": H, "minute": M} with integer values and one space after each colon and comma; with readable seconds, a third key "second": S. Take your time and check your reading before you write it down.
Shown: {"hour": 12, "minute": 12}
